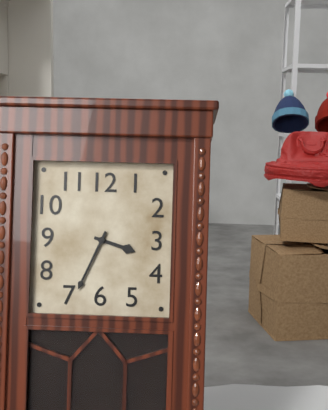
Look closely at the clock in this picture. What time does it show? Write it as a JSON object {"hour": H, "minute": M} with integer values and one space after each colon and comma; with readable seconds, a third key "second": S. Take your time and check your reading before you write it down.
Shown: {"hour": 3, "minute": 34}
